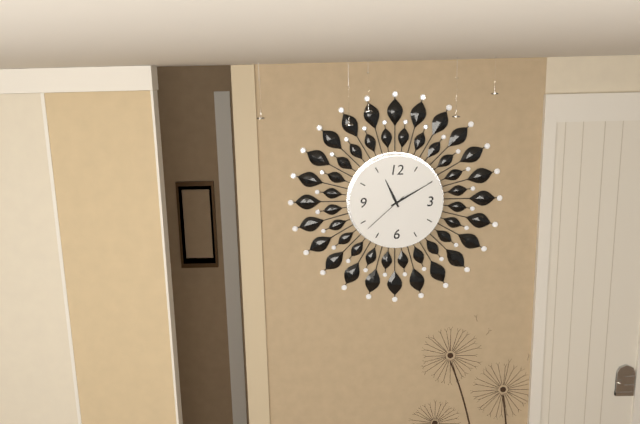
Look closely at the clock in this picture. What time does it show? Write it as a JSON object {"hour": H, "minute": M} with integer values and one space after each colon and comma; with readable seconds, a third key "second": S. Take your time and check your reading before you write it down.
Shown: {"hour": 11, "minute": 10}
